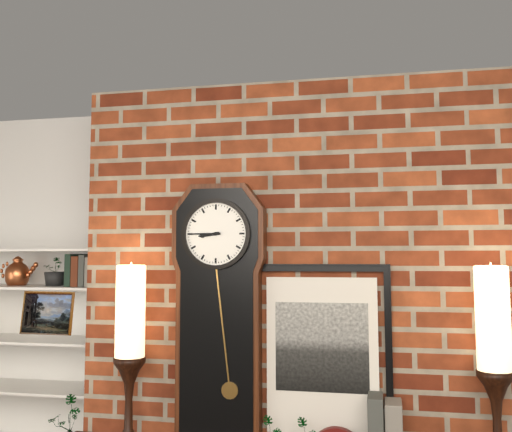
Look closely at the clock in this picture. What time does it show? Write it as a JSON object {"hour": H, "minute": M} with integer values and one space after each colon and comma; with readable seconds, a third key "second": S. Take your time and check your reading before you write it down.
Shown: {"hour": 8, "minute": 45}
